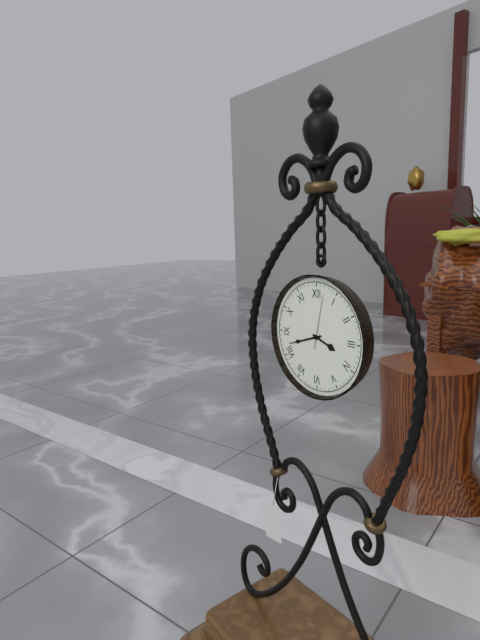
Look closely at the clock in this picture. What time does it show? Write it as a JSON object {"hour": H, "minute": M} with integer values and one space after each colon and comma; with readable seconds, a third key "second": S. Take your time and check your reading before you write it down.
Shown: {"hour": 3, "minute": 42, "second": 2}
